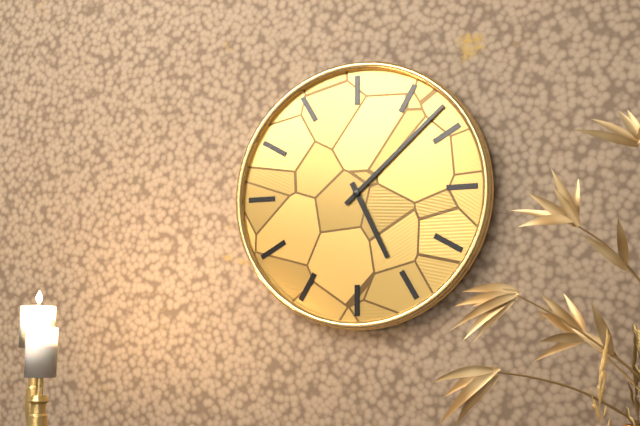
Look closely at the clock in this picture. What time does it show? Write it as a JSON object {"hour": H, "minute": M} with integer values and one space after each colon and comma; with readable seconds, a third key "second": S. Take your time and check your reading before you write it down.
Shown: {"hour": 5, "minute": 8}
